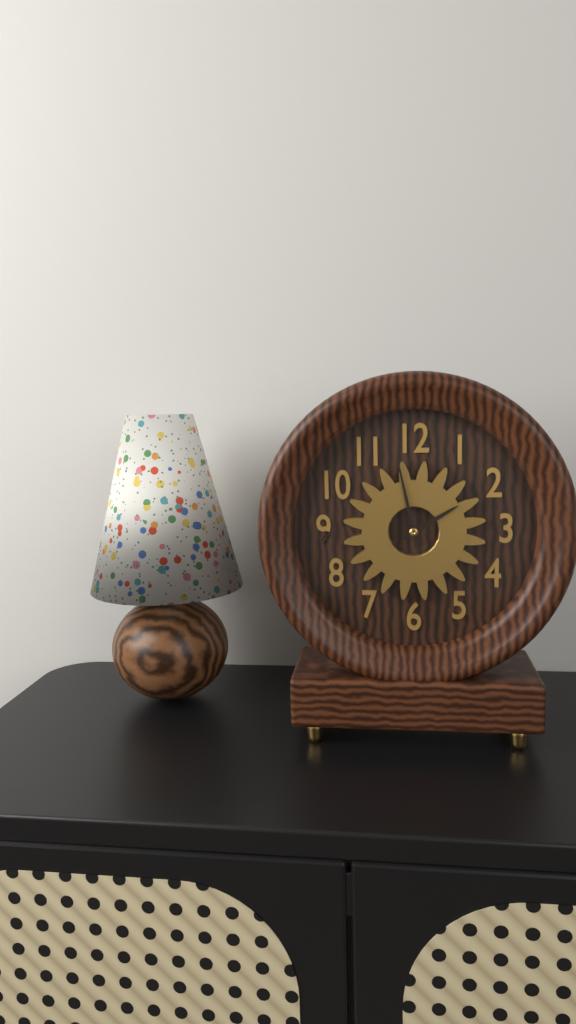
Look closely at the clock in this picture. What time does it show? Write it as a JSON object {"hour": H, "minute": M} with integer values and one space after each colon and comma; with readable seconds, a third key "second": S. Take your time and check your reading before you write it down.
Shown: {"hour": 1, "minute": 58}
